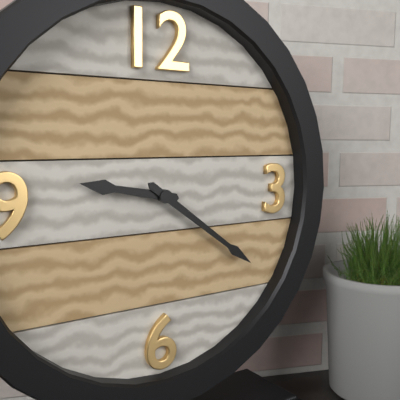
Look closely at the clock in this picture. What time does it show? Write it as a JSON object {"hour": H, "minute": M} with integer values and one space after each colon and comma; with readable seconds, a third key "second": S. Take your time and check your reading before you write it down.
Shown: {"hour": 9, "minute": 21}
